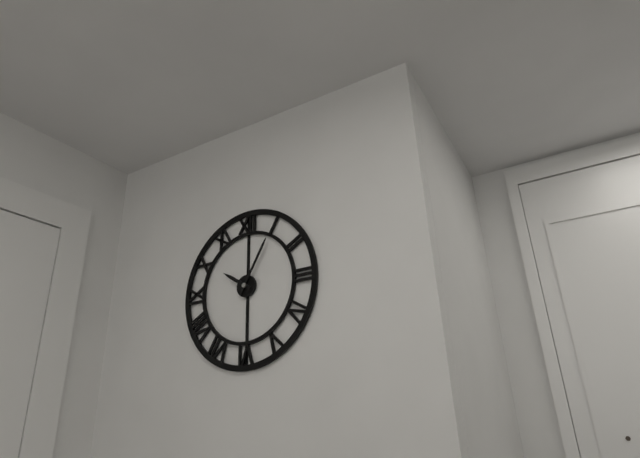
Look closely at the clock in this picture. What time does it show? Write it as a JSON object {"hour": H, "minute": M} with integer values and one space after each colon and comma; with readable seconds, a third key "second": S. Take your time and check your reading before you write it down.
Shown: {"hour": 10, "minute": 5}
